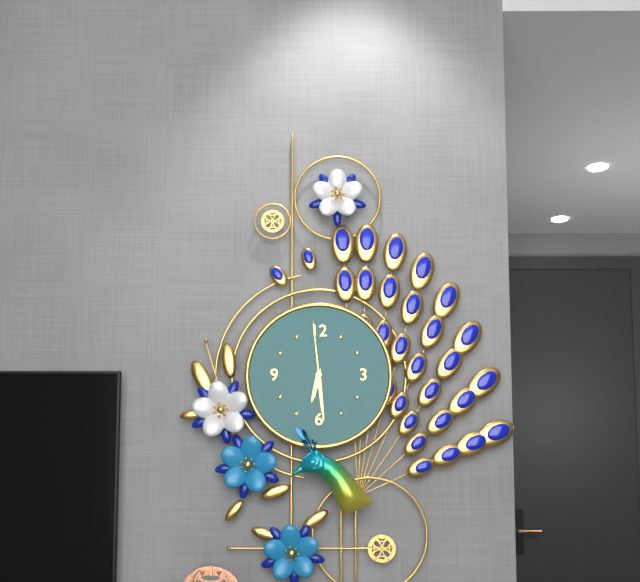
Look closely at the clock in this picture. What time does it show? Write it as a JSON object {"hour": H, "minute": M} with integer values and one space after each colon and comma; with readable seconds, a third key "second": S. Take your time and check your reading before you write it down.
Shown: {"hour": 6, "minute": 29, "second": 59}
